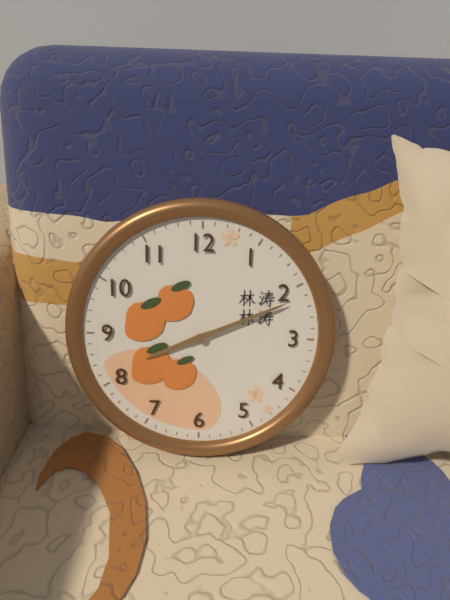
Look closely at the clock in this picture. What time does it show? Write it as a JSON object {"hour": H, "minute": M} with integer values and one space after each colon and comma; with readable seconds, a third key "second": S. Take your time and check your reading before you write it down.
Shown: {"hour": 8, "minute": 11}
